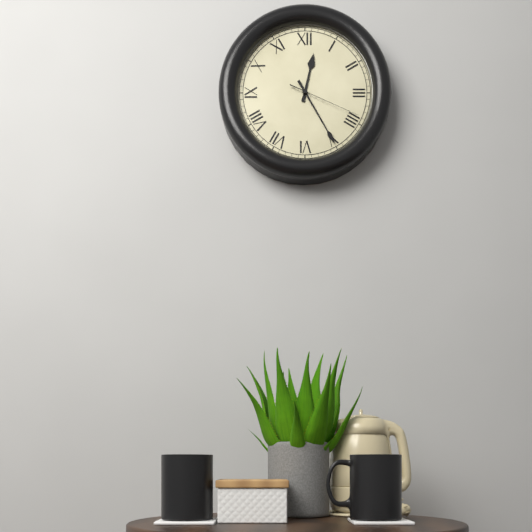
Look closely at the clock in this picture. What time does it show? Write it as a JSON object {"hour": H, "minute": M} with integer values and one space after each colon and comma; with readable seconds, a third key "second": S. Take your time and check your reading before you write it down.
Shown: {"hour": 12, "minute": 25, "second": 19}
